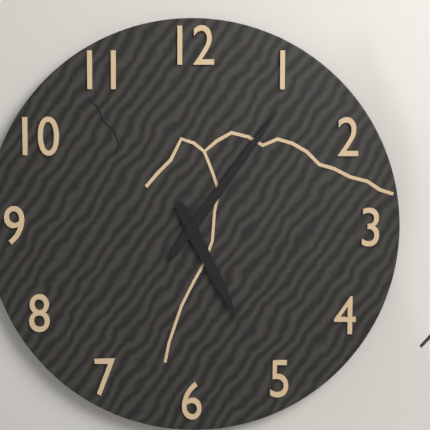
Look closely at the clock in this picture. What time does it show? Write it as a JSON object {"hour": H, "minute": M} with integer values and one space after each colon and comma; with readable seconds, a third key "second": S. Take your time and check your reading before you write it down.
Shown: {"hour": 5, "minute": 6}
